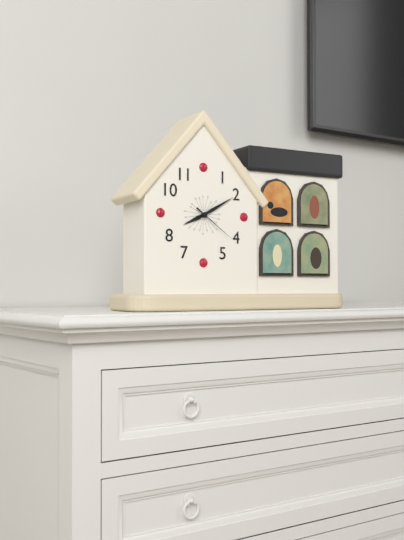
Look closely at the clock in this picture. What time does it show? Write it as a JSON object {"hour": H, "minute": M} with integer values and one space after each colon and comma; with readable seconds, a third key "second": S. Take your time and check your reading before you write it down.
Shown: {"hour": 8, "minute": 10, "second": 21}
